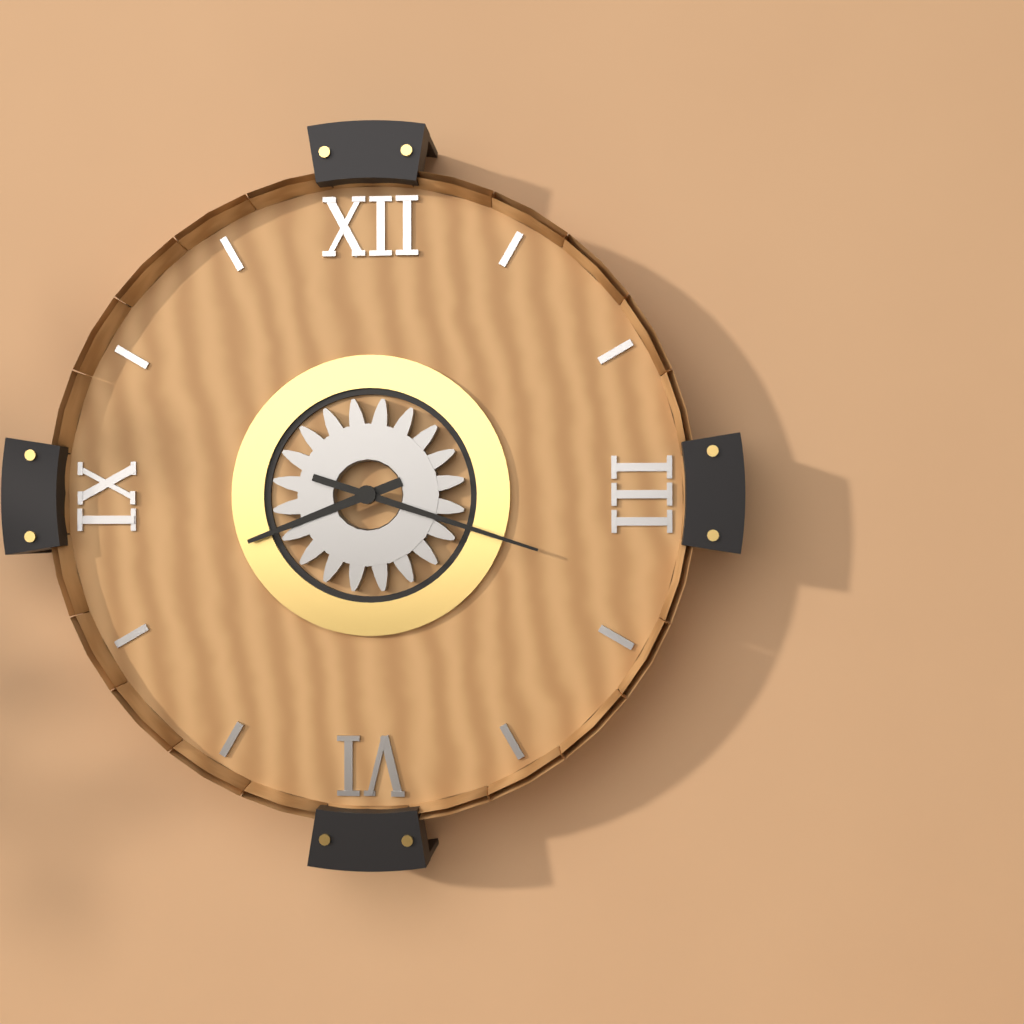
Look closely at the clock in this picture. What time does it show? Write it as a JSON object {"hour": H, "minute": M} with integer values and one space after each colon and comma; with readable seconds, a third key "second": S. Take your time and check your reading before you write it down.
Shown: {"hour": 8, "minute": 18}
